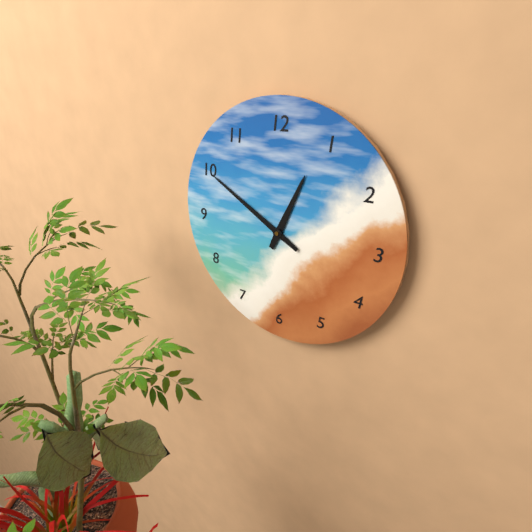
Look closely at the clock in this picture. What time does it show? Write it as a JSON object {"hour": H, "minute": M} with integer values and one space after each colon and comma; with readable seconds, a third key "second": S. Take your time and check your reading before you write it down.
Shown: {"hour": 12, "minute": 50}
